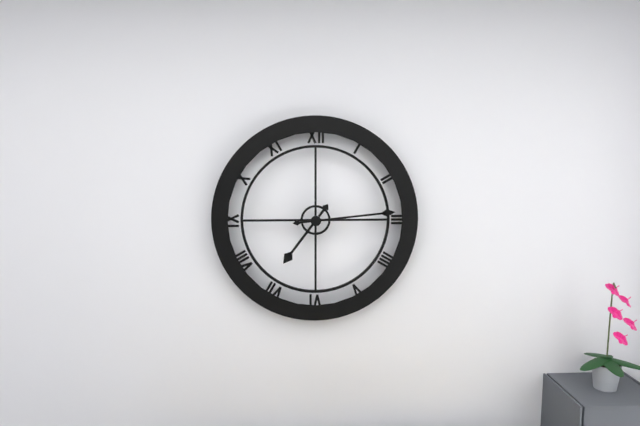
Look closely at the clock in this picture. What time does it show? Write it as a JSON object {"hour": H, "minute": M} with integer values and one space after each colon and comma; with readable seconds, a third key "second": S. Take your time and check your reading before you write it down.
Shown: {"hour": 7, "minute": 14}
